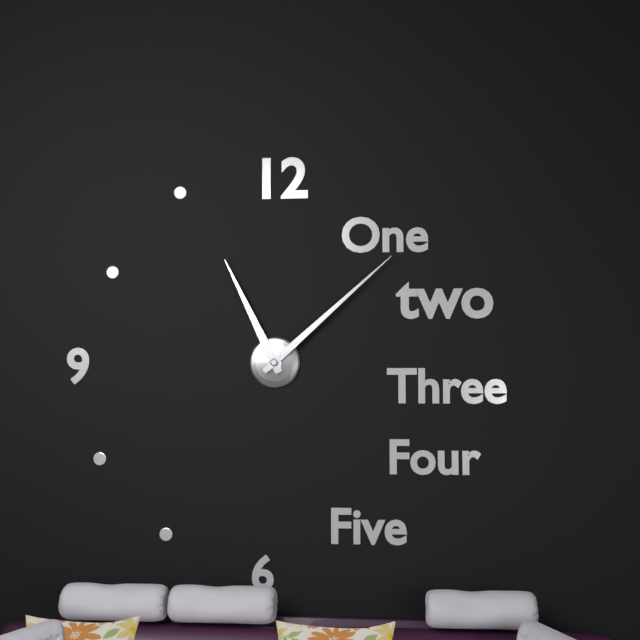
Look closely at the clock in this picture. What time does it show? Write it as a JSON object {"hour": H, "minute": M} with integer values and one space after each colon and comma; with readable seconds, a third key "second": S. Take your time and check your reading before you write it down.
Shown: {"hour": 11, "minute": 8}
